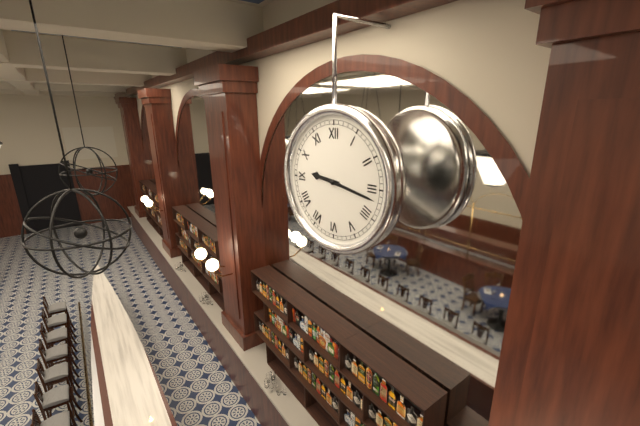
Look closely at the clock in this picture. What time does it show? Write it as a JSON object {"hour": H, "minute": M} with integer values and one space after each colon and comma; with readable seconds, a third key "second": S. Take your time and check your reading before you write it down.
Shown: {"hour": 9, "minute": 17}
